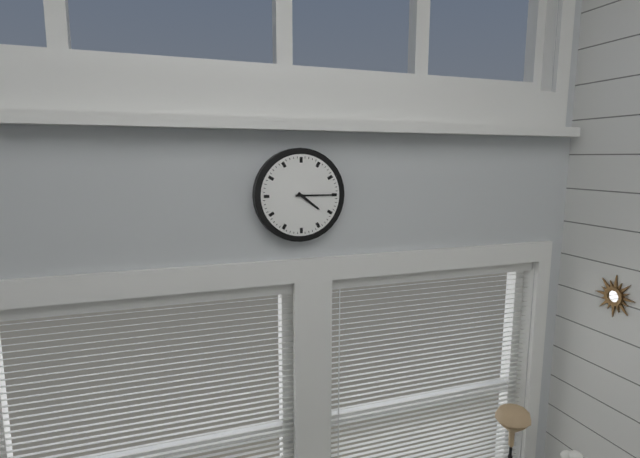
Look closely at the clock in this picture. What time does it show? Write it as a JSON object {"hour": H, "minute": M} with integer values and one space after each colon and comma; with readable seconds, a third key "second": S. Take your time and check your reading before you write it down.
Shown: {"hour": 4, "minute": 15}
